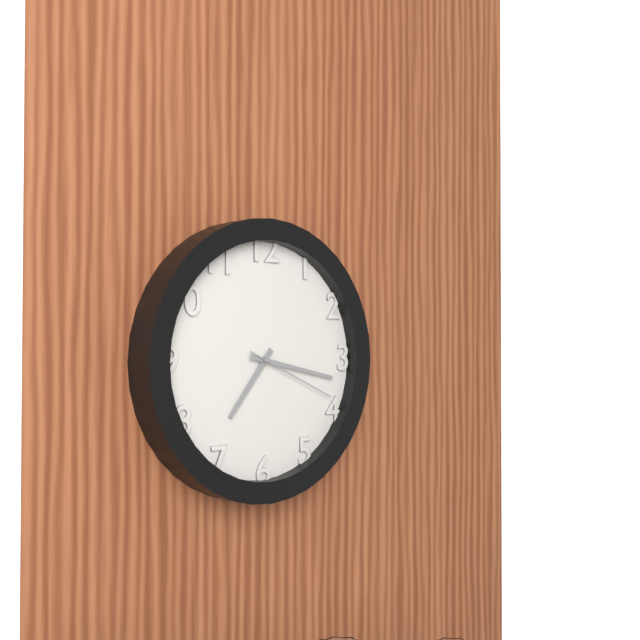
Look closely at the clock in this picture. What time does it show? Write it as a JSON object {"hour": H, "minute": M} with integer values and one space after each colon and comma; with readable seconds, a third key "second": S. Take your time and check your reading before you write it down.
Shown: {"hour": 7, "minute": 17, "second": 19}
